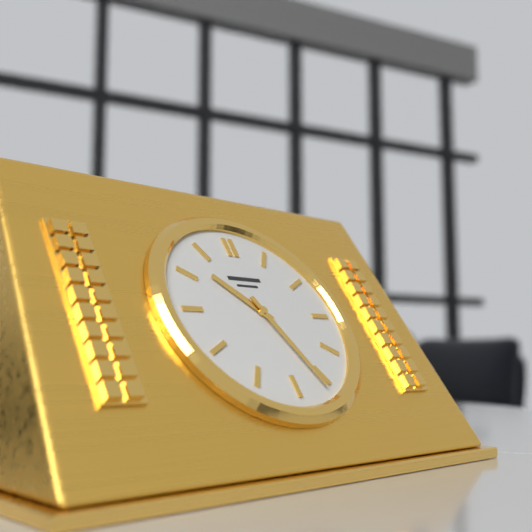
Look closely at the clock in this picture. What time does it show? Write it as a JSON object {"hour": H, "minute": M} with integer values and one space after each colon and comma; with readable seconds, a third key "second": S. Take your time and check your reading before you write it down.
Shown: {"hour": 10, "minute": 26}
